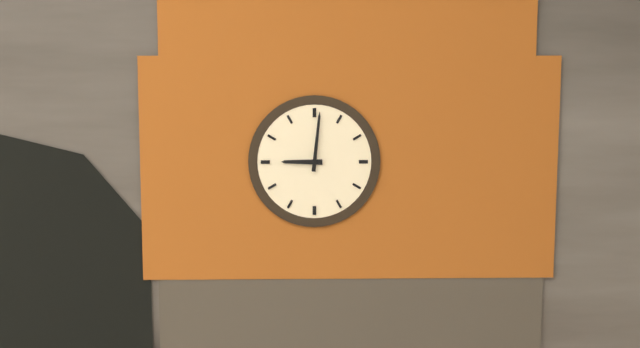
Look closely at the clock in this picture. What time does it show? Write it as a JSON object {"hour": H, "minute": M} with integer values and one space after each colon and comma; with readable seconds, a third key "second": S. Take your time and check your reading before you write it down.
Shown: {"hour": 9, "minute": 1}
